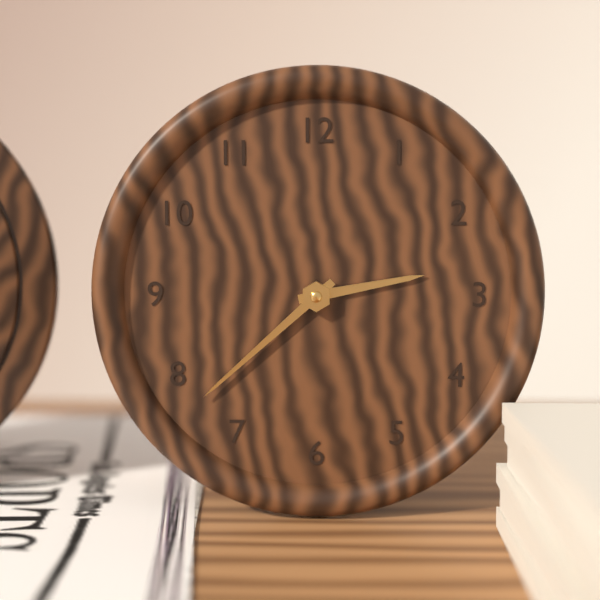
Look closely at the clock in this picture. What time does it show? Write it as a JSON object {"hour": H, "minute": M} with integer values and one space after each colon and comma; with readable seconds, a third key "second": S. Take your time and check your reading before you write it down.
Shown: {"hour": 2, "minute": 38}
